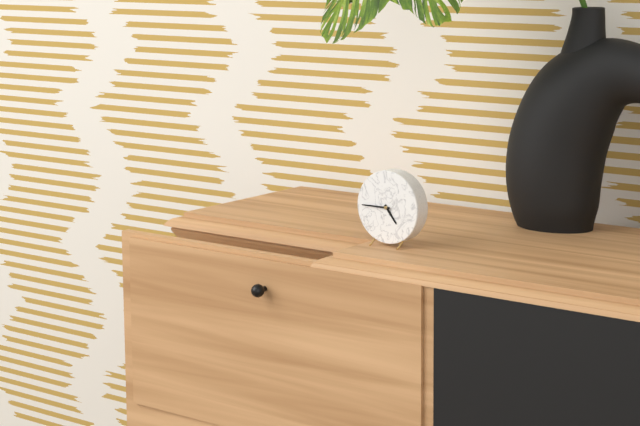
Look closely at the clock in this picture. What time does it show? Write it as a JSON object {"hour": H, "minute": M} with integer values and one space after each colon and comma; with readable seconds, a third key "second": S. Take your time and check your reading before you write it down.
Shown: {"hour": 4, "minute": 45}
